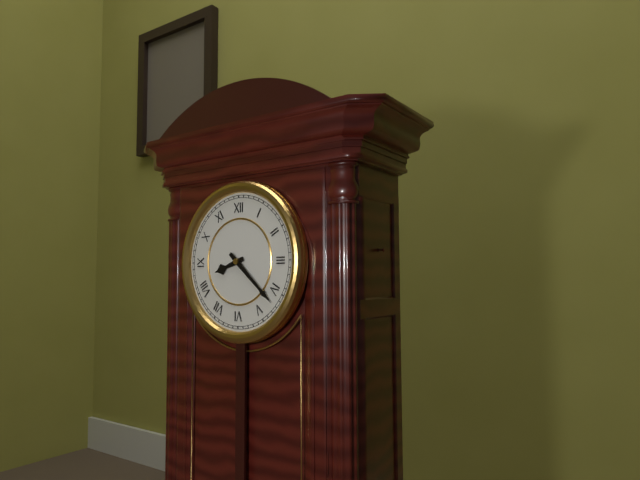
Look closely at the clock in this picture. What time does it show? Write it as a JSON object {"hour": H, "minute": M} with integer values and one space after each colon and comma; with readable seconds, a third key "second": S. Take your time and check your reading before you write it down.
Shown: {"hour": 8, "minute": 22}
